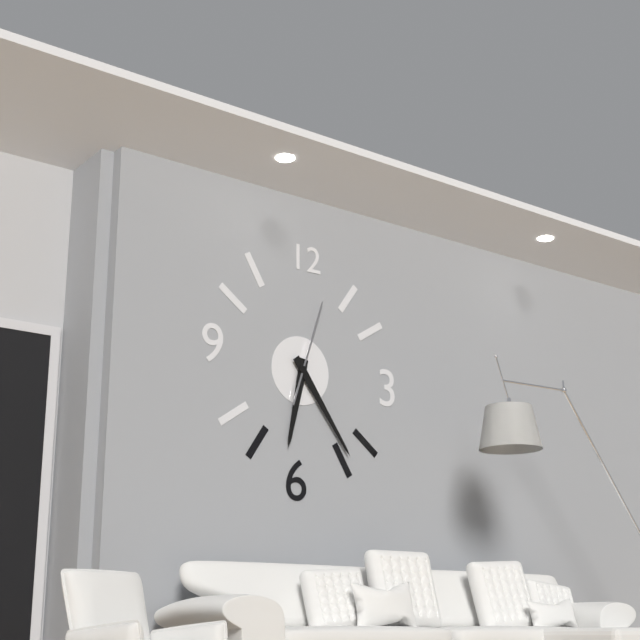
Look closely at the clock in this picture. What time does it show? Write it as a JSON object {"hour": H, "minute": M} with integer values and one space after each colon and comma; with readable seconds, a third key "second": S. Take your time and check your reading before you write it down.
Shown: {"hour": 6, "minute": 24, "second": 3}
